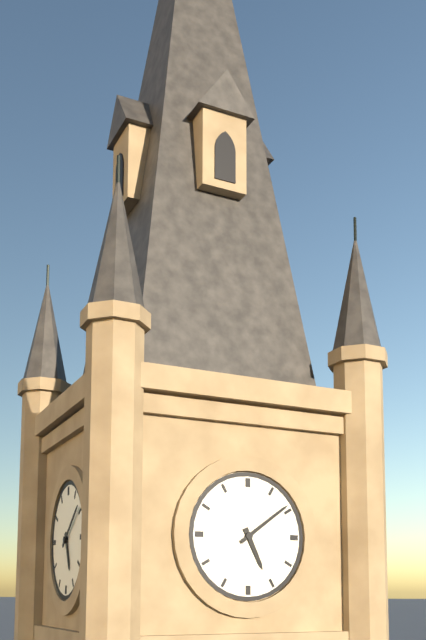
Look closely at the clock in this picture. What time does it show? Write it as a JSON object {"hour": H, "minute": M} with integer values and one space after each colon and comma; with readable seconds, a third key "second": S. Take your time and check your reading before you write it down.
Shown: {"hour": 5, "minute": 9}
